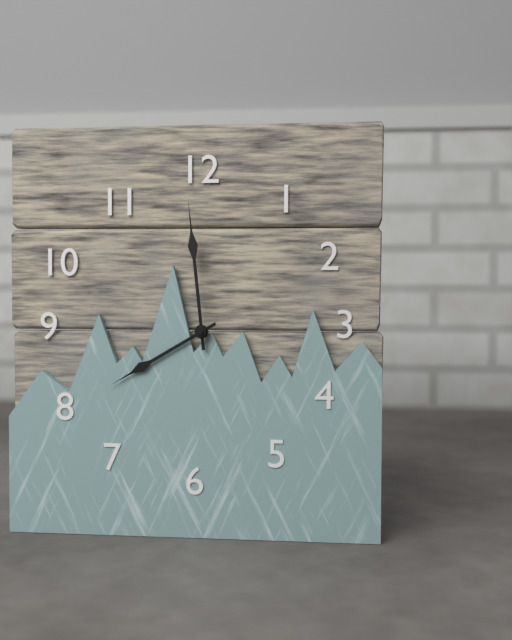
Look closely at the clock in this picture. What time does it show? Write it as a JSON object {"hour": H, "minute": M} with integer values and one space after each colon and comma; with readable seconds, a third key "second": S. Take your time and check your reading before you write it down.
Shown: {"hour": 7, "minute": 59}
